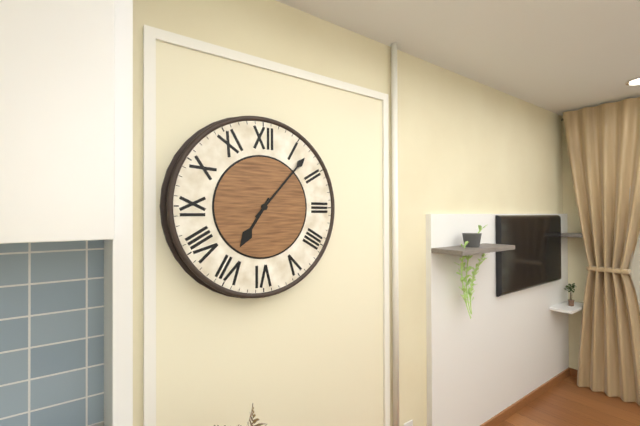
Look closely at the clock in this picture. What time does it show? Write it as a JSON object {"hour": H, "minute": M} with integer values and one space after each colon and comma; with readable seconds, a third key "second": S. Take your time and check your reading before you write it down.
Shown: {"hour": 7, "minute": 7}
